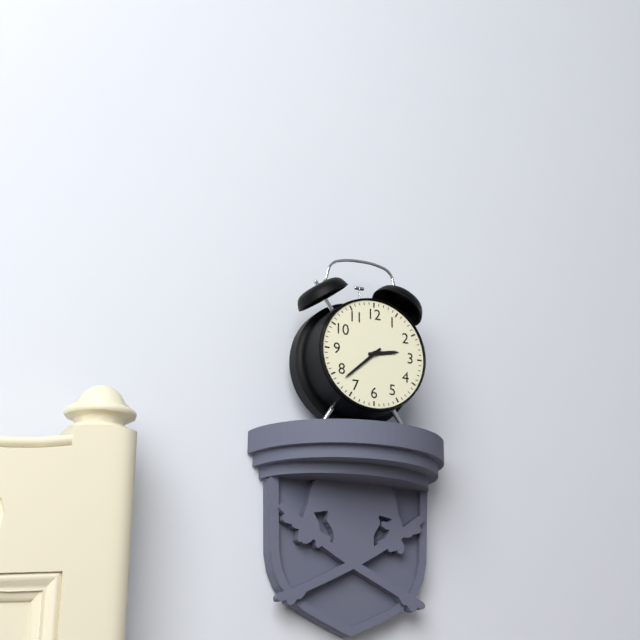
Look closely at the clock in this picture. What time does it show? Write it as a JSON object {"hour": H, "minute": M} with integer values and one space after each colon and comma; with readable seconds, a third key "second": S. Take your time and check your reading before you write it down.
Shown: {"hour": 2, "minute": 38}
